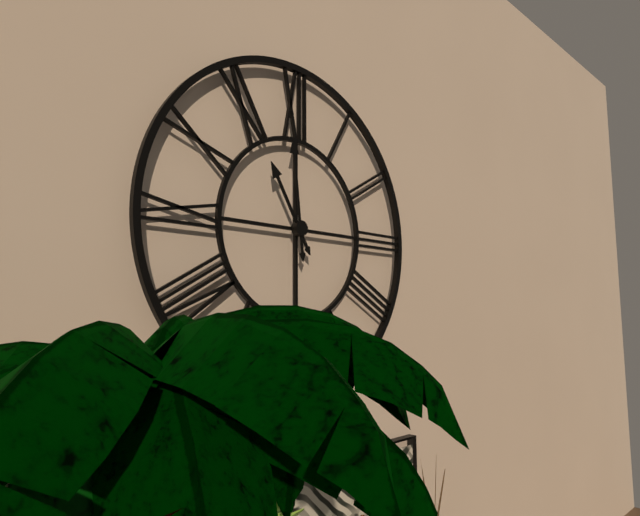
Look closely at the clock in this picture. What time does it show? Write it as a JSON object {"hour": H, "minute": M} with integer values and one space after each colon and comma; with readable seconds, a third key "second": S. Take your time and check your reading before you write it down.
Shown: {"hour": 10, "minute": 59}
